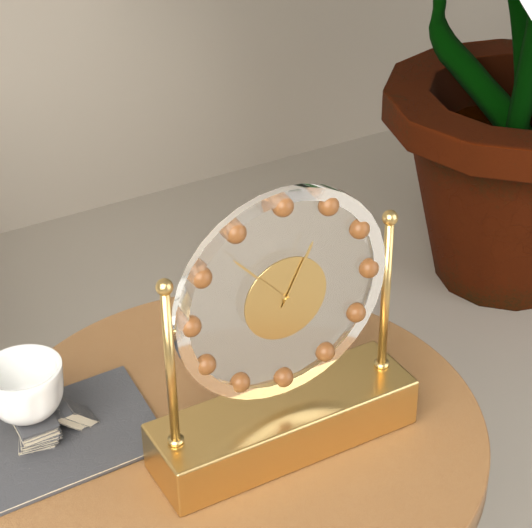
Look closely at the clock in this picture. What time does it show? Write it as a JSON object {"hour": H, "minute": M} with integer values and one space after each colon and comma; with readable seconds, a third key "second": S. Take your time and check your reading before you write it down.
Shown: {"hour": 12, "minute": 53}
